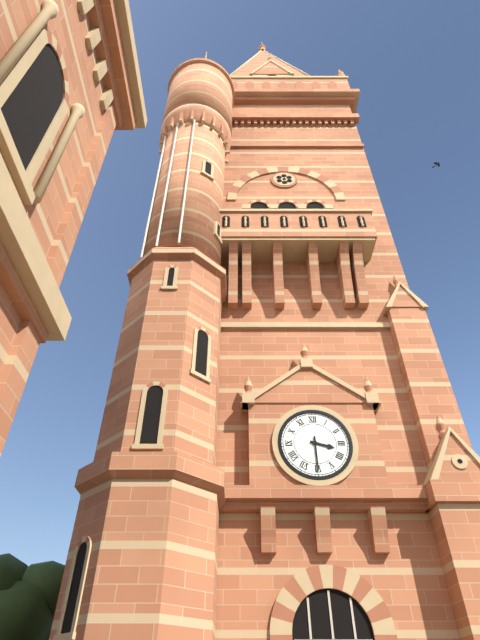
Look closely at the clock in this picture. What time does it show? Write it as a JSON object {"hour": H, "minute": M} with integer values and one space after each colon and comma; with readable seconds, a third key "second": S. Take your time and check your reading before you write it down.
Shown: {"hour": 3, "minute": 30}
